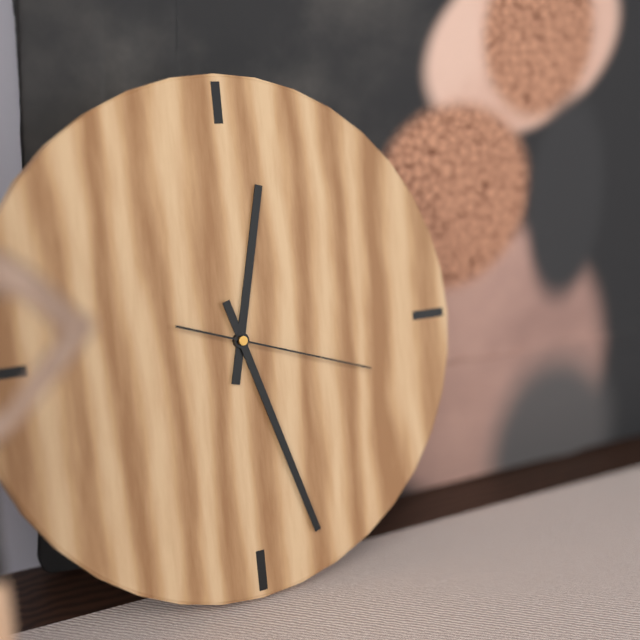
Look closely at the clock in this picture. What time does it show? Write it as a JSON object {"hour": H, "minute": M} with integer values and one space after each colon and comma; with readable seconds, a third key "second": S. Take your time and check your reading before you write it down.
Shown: {"hour": 12, "minute": 27, "second": 18}
